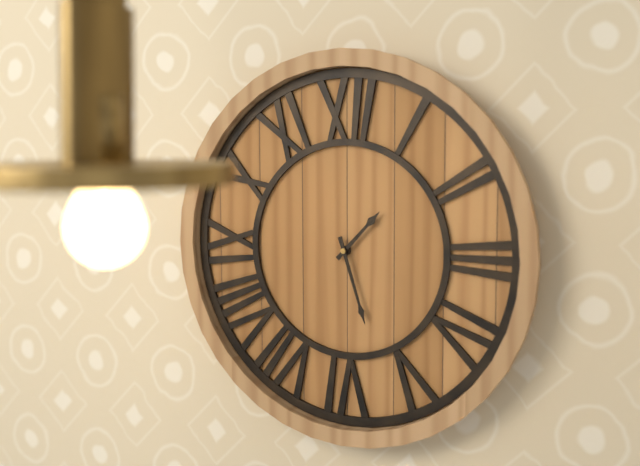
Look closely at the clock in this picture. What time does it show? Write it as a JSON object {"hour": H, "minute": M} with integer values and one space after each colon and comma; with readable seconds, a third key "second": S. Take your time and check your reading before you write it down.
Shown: {"hour": 1, "minute": 27}
